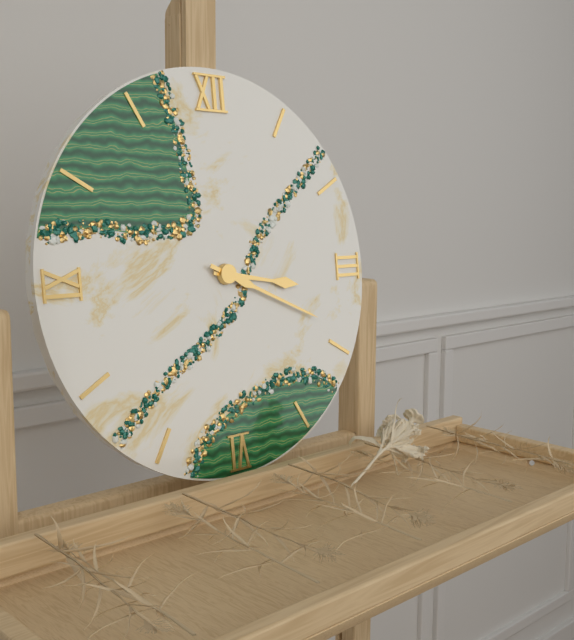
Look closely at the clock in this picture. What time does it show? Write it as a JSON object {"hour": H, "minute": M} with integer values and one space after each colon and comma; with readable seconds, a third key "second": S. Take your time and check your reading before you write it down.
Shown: {"hour": 3, "minute": 19}
